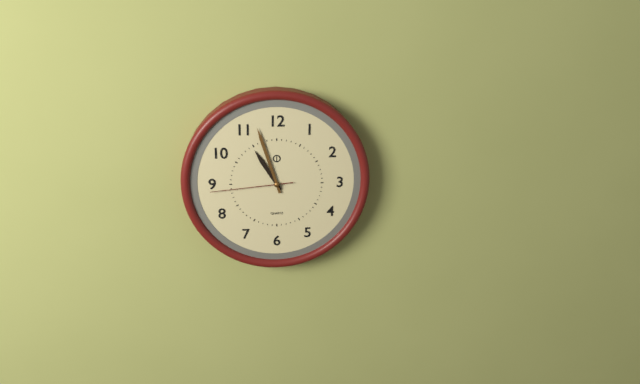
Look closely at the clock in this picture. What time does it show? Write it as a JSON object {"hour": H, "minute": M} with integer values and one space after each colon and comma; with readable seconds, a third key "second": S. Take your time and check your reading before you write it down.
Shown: {"hour": 10, "minute": 57, "second": 44}
